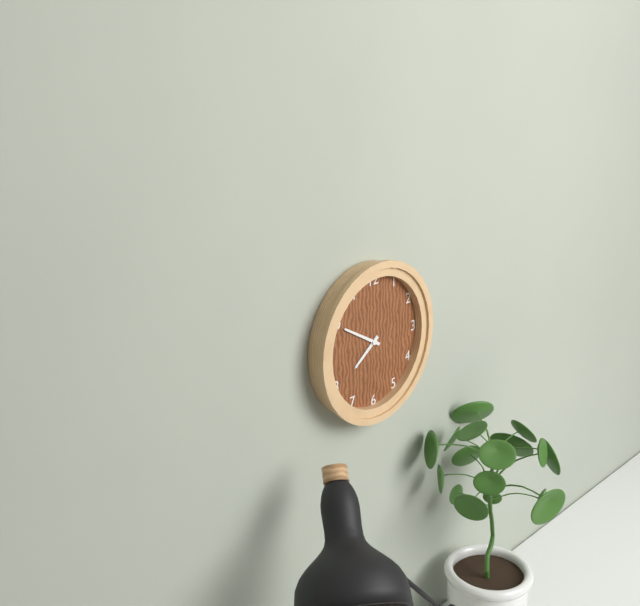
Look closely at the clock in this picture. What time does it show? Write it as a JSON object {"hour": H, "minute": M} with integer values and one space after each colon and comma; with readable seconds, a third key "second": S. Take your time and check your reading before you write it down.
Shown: {"hour": 7, "minute": 50}
